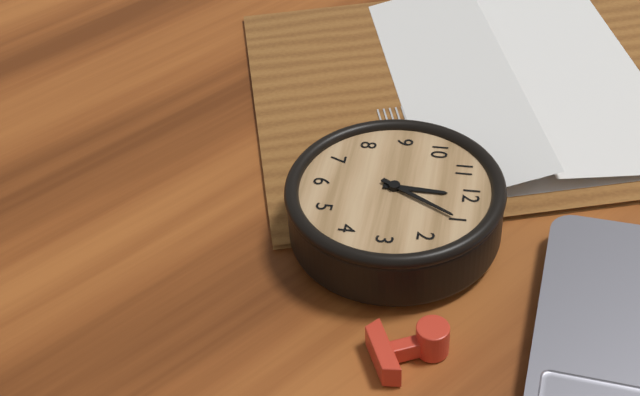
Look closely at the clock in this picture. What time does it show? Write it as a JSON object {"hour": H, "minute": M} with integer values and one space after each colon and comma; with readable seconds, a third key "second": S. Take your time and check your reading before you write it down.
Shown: {"hour": 12, "minute": 5}
